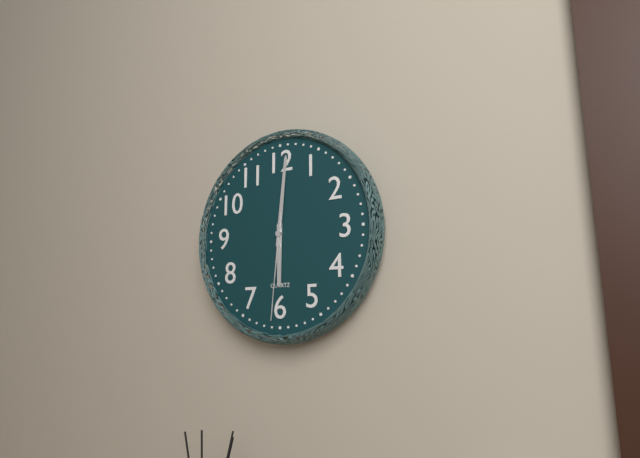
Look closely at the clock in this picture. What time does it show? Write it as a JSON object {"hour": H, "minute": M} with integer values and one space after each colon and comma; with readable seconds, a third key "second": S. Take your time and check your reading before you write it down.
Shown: {"hour": 6, "minute": 1, "second": 31}
